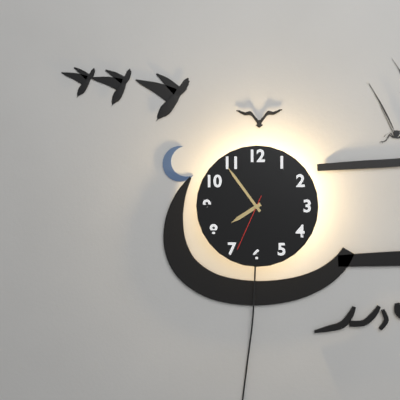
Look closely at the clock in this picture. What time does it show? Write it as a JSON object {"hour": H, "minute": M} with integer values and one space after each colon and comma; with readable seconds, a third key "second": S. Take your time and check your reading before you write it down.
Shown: {"hour": 7, "minute": 54, "second": 34}
